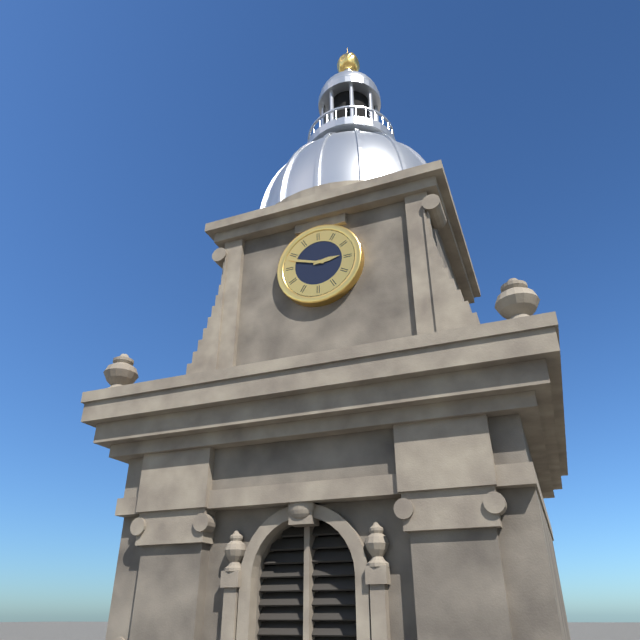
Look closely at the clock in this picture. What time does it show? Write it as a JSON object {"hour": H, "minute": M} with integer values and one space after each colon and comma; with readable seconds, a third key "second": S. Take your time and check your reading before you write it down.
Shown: {"hour": 2, "minute": 48}
